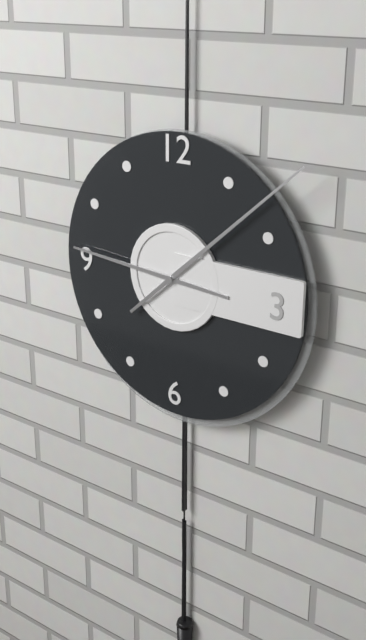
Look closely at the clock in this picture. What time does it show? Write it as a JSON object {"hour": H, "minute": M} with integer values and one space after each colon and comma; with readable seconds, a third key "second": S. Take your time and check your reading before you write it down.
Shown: {"hour": 9, "minute": 8}
